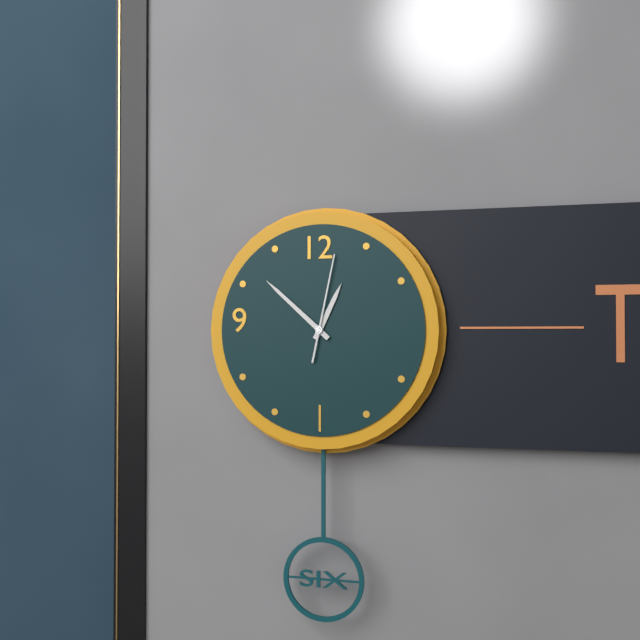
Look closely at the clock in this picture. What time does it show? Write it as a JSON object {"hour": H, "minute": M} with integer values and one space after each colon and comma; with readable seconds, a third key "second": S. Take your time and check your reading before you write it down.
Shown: {"hour": 12, "minute": 52, "second": 2}
